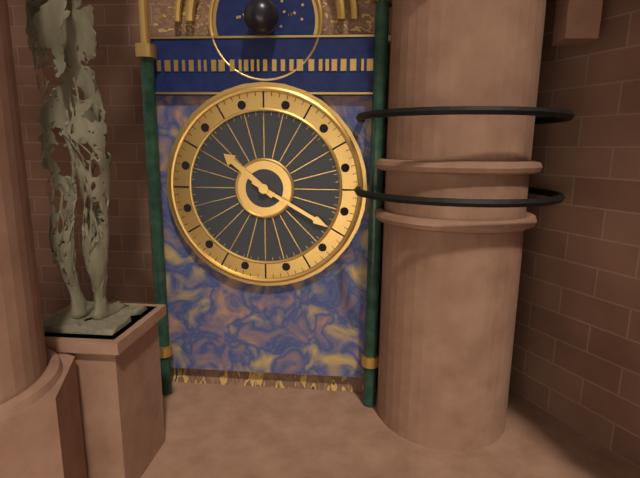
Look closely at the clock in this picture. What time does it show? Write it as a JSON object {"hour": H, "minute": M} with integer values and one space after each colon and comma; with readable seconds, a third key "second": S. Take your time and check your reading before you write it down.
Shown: {"hour": 10, "minute": 20}
